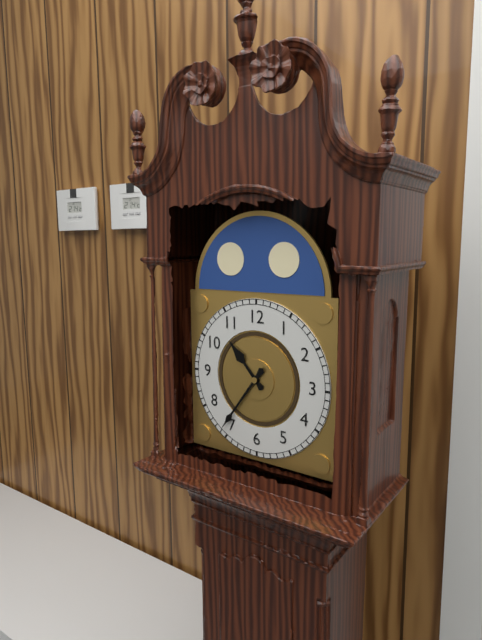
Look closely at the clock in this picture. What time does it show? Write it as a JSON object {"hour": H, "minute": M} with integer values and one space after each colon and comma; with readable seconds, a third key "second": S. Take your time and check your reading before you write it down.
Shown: {"hour": 10, "minute": 36}
